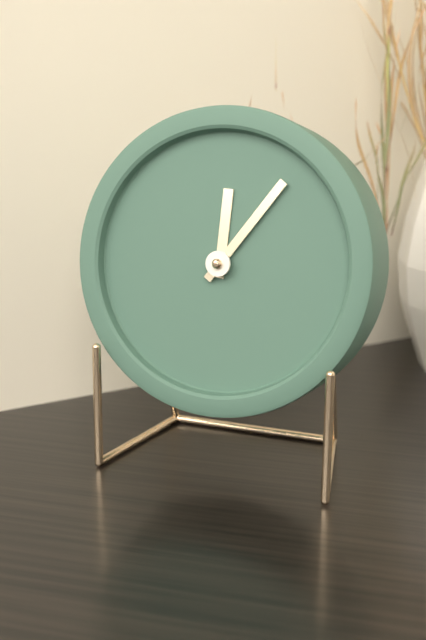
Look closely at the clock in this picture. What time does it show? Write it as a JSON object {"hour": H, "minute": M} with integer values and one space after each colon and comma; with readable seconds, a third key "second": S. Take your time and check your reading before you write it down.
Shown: {"hour": 12, "minute": 6}
